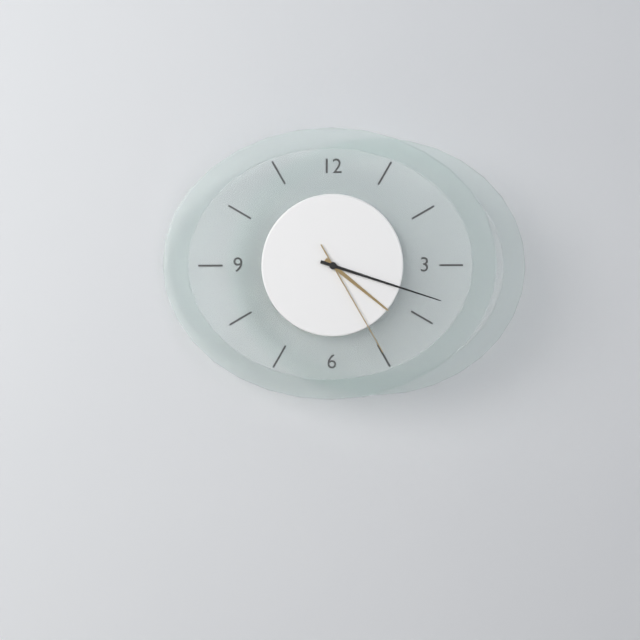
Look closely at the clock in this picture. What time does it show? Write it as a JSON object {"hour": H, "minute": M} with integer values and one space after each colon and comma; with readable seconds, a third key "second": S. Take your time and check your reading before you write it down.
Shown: {"hour": 4, "minute": 18, "second": 25}
